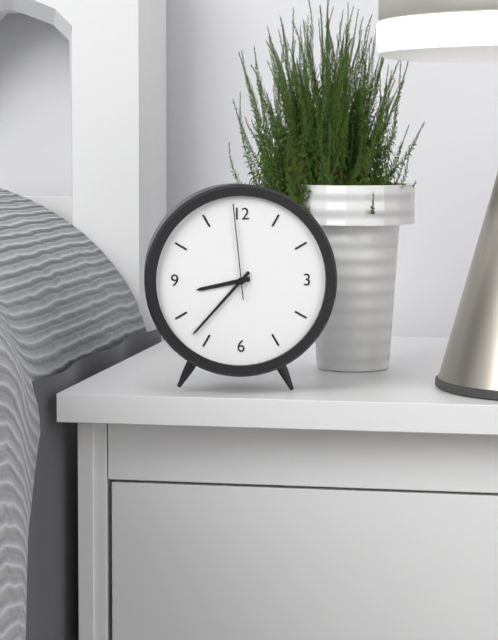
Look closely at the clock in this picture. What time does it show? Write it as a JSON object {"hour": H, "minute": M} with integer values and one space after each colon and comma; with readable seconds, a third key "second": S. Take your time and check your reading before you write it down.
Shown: {"hour": 8, "minute": 37, "second": 59}
